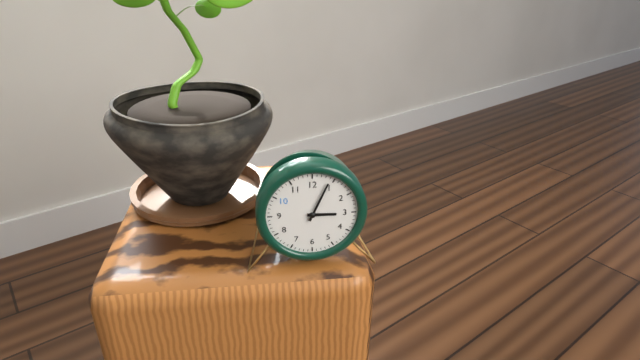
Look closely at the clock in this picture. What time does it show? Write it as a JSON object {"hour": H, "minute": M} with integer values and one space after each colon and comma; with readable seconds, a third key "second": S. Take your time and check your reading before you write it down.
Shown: {"hour": 3, "minute": 4}
